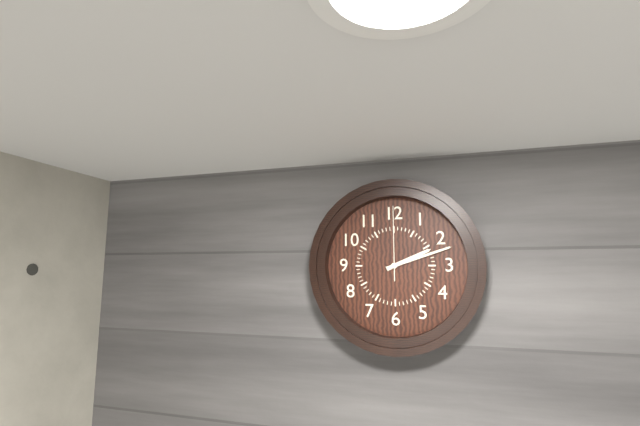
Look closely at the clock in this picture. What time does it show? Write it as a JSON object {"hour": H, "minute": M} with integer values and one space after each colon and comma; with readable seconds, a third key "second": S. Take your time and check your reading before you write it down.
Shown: {"hour": 2, "minute": 12, "second": 0}
